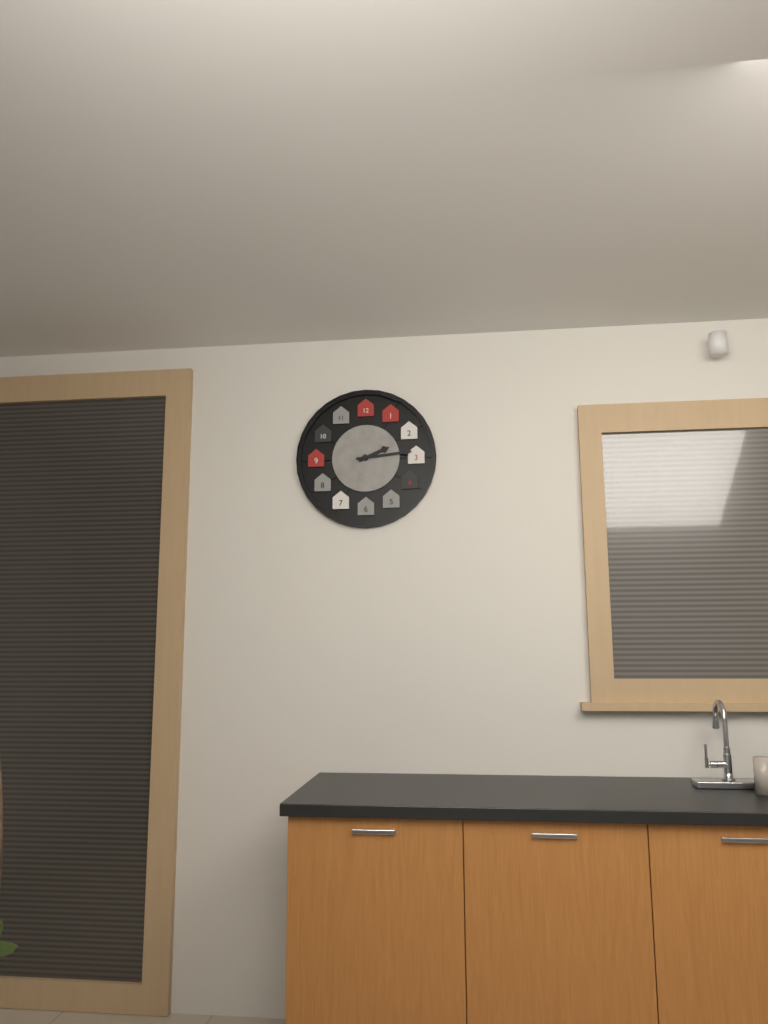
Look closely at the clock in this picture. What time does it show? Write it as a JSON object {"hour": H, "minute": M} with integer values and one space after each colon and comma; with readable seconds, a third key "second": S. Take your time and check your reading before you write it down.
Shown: {"hour": 2, "minute": 14}
